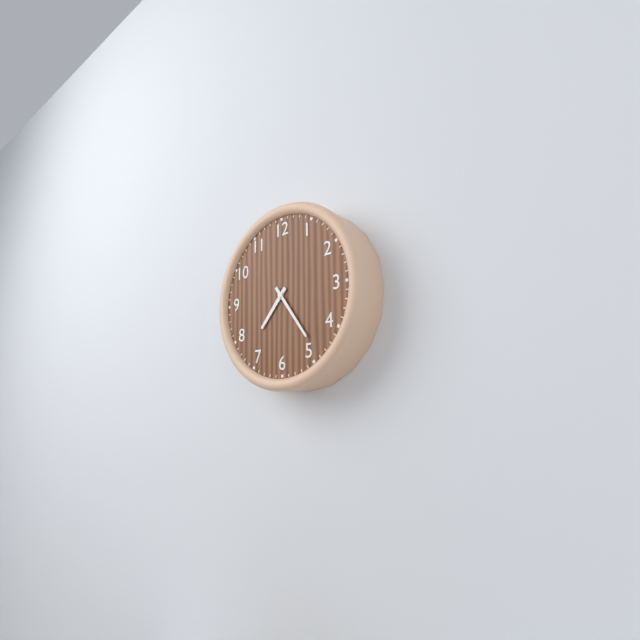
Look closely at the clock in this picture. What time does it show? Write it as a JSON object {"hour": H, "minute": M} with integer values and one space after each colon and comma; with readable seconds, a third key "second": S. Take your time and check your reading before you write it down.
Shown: {"hour": 7, "minute": 24}
